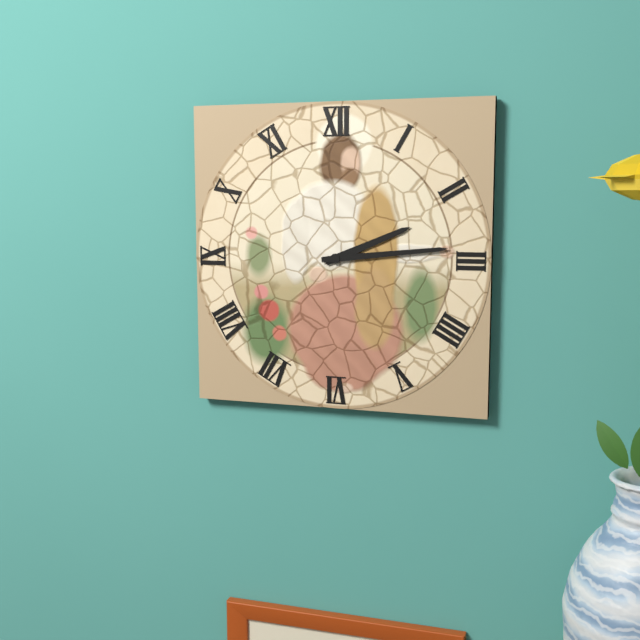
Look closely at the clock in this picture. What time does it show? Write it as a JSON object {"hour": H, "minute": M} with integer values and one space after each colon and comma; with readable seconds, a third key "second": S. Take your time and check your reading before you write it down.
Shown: {"hour": 2, "minute": 14}
